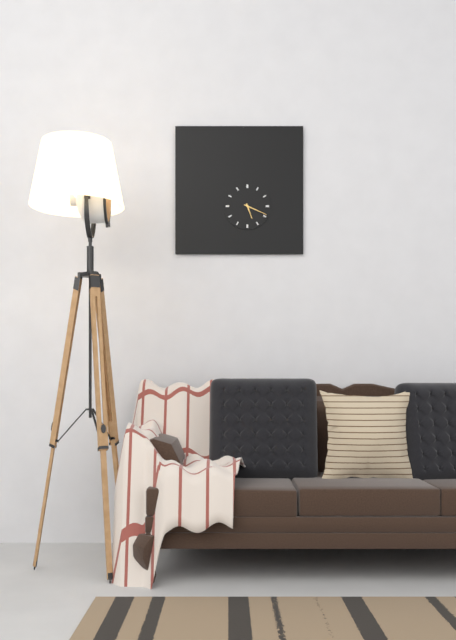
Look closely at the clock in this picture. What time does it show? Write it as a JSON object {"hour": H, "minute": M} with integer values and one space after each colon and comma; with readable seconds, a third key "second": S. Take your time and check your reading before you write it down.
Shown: {"hour": 5, "minute": 19}
